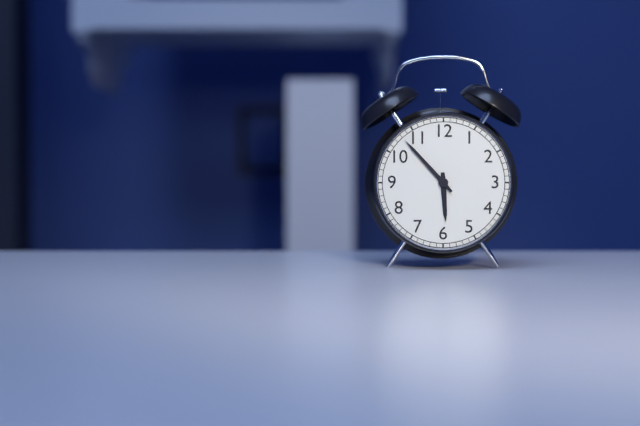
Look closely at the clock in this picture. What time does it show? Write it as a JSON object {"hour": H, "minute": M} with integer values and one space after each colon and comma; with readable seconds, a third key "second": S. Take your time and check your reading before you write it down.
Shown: {"hour": 5, "minute": 53}
